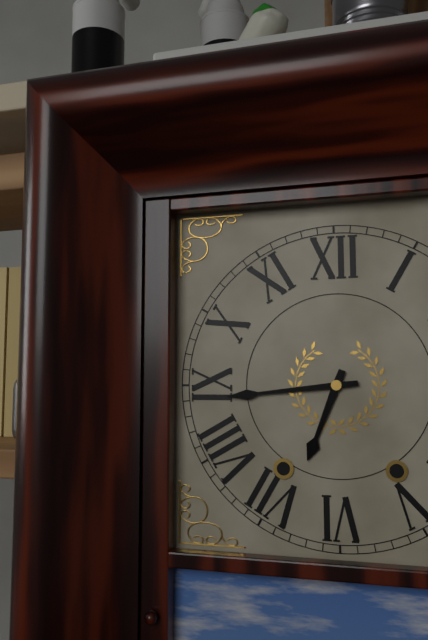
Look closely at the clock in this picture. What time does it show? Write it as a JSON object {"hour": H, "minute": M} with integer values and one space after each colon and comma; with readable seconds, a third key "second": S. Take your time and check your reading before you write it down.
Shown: {"hour": 6, "minute": 44}
